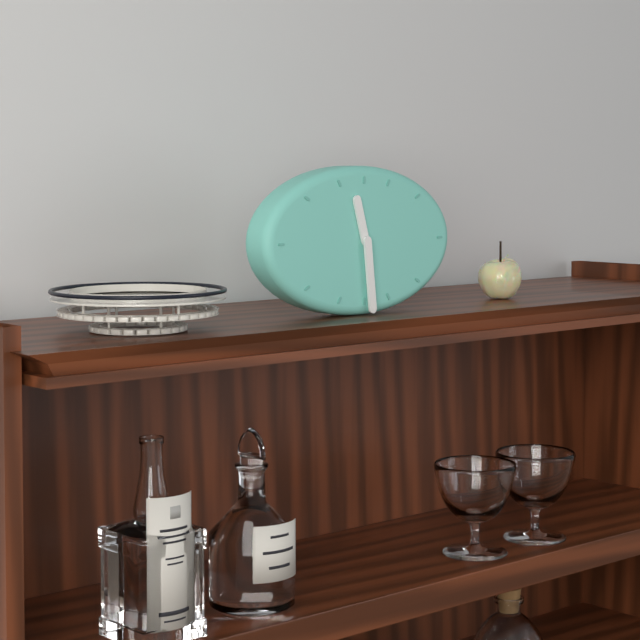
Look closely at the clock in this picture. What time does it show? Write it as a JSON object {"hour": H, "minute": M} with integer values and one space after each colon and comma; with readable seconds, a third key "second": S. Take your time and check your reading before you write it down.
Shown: {"hour": 11, "minute": 29}
